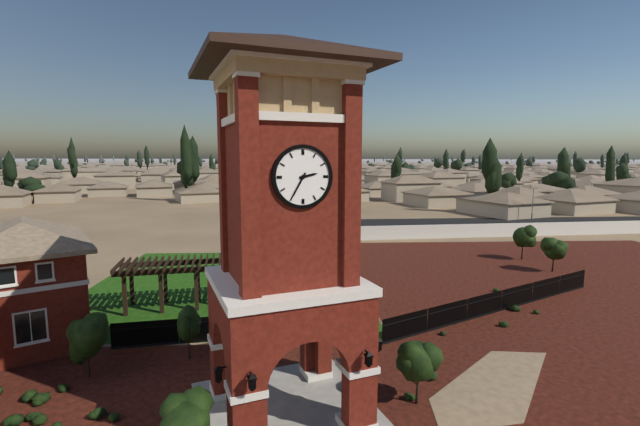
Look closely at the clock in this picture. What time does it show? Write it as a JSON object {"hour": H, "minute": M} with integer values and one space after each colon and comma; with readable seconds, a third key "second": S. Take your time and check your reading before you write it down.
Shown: {"hour": 2, "minute": 35}
